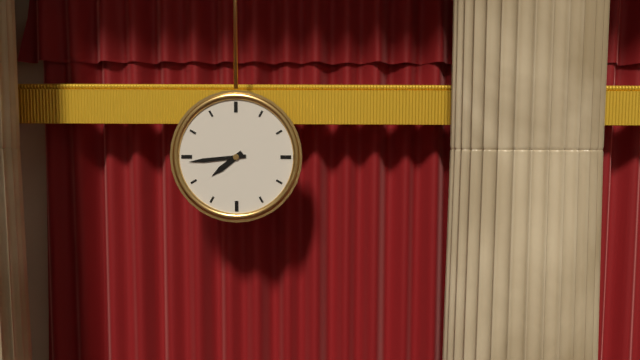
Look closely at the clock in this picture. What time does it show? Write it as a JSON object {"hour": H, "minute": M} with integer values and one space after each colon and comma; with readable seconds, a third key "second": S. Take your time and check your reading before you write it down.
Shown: {"hour": 7, "minute": 44}
